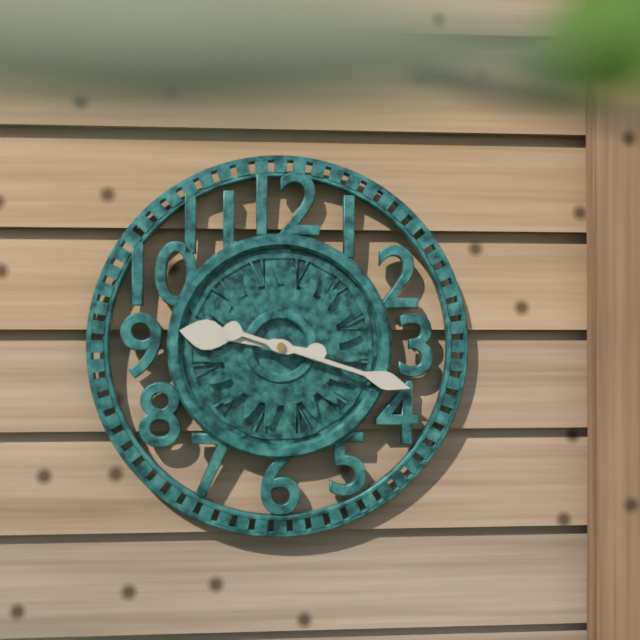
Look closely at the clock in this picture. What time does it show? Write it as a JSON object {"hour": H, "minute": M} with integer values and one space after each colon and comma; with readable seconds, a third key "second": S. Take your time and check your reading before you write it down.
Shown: {"hour": 9, "minute": 18}
